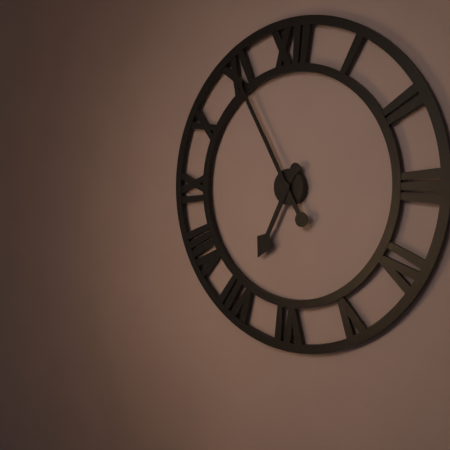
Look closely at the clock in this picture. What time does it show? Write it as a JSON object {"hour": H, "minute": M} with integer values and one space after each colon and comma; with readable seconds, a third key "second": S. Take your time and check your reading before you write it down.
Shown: {"hour": 6, "minute": 55}
